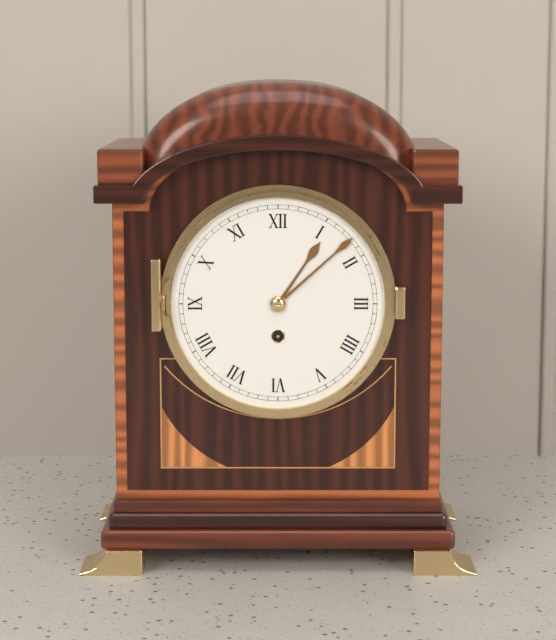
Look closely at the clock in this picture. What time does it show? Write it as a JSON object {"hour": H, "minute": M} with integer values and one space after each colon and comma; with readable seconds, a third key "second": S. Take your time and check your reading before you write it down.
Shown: {"hour": 1, "minute": 8}
